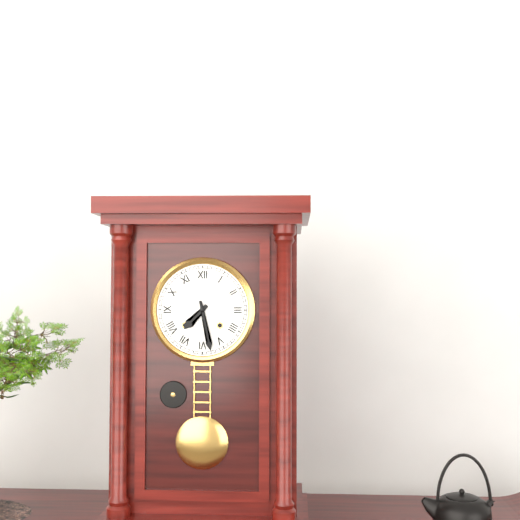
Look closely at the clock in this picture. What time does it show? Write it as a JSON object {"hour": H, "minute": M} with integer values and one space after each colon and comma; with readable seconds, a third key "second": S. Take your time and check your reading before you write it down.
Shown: {"hour": 7, "minute": 28}
